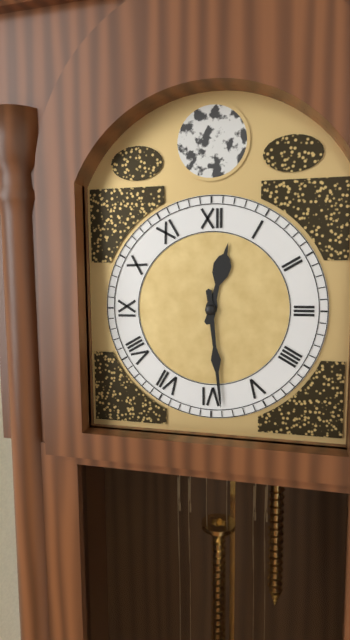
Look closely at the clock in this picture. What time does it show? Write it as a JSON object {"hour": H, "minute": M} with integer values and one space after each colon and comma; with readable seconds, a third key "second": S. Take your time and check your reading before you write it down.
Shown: {"hour": 12, "minute": 29}
